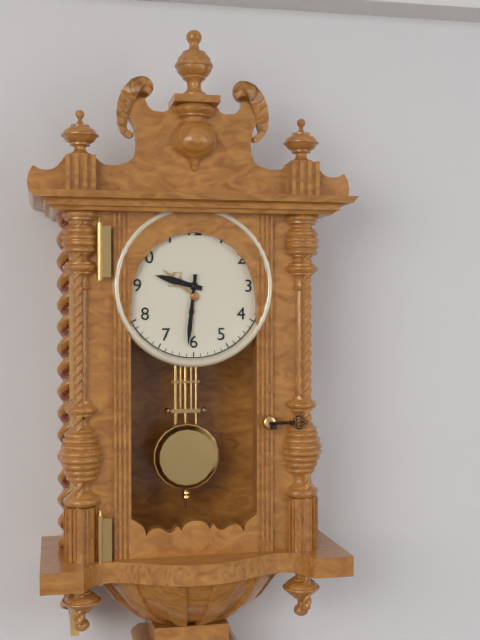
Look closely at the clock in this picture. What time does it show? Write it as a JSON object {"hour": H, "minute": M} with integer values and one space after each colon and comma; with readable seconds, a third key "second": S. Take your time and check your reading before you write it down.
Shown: {"hour": 9, "minute": 31}
